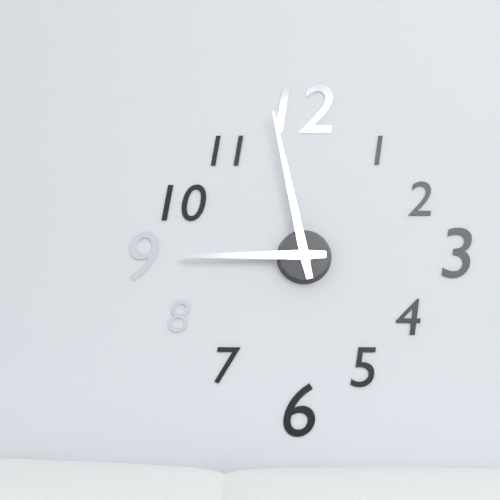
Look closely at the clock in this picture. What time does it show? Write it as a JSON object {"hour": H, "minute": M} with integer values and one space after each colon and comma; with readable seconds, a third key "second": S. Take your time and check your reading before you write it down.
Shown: {"hour": 8, "minute": 58}
